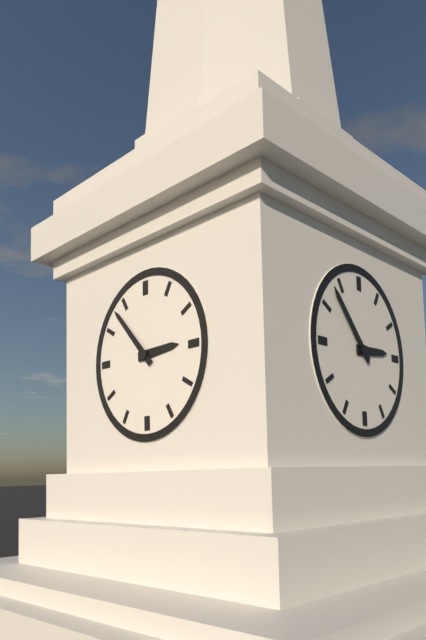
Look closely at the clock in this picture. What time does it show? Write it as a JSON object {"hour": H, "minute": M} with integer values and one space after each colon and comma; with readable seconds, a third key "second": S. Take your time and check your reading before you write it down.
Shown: {"hour": 2, "minute": 53}
